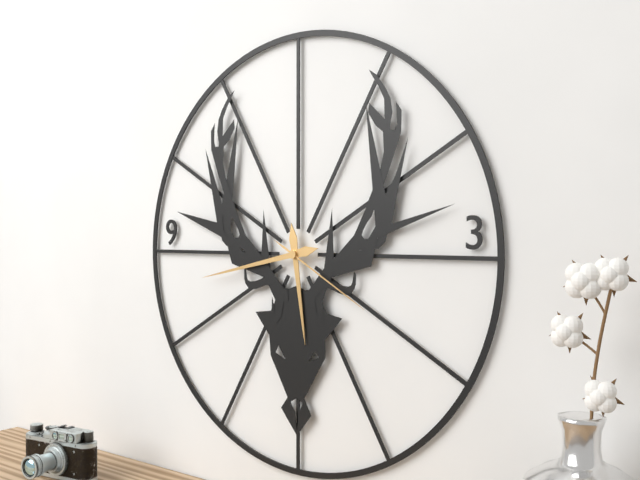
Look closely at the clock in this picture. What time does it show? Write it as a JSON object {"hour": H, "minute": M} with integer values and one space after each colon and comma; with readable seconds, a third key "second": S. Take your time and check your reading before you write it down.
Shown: {"hour": 5, "minute": 43, "second": 20}
